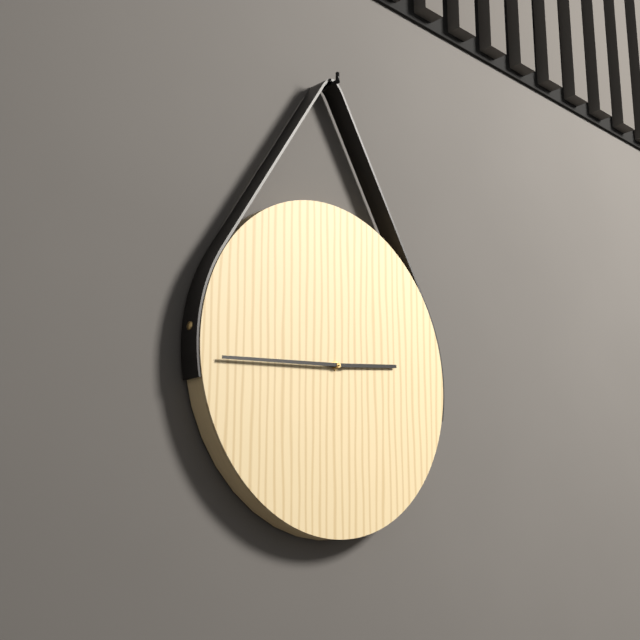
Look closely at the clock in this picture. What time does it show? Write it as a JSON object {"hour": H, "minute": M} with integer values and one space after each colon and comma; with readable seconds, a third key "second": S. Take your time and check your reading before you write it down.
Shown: {"hour": 2, "minute": 44}
